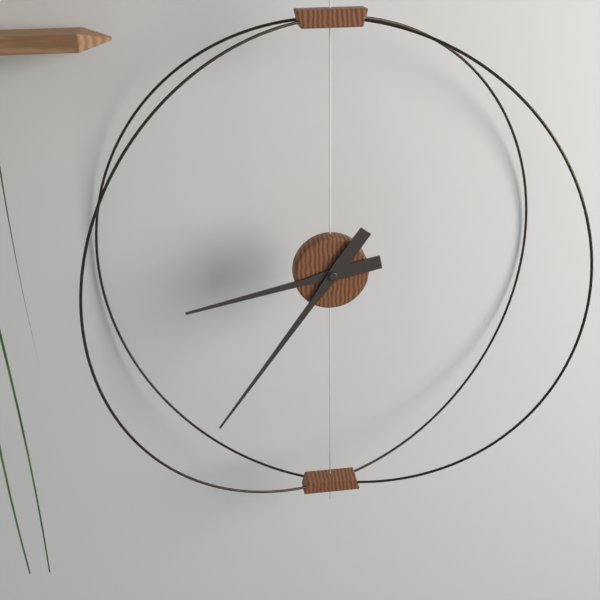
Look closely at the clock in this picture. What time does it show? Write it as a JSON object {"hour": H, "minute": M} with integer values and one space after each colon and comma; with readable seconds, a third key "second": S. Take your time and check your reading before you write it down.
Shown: {"hour": 8, "minute": 36}
